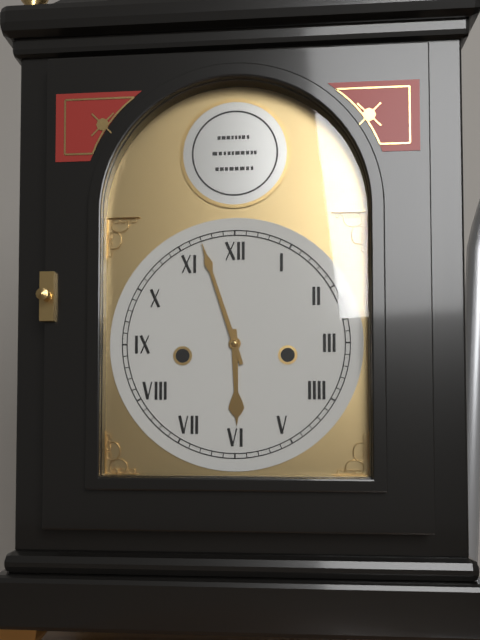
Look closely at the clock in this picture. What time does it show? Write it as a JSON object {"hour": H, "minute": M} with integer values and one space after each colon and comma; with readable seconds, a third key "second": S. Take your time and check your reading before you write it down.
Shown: {"hour": 5, "minute": 57}
